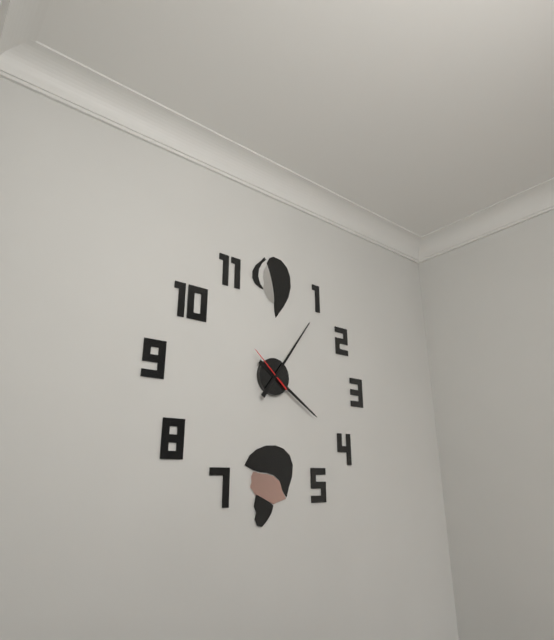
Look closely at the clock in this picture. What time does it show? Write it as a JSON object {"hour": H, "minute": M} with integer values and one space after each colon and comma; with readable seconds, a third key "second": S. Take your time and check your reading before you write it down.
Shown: {"hour": 4, "minute": 6}
